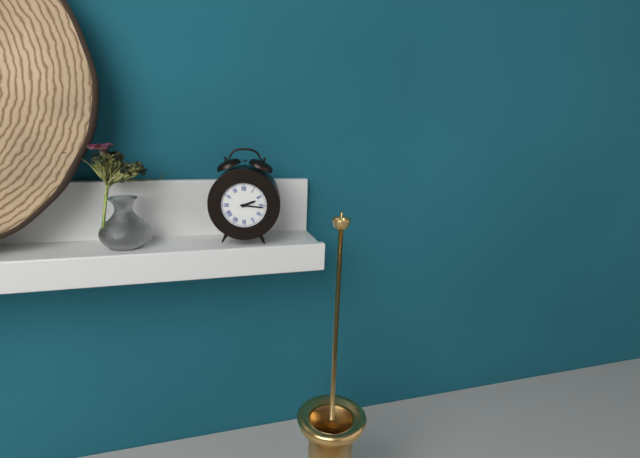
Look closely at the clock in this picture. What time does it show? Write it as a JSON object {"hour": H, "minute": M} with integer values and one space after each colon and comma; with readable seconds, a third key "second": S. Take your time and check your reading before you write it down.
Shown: {"hour": 2, "minute": 16}
